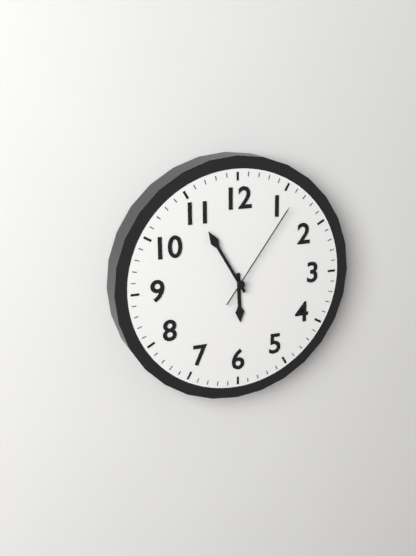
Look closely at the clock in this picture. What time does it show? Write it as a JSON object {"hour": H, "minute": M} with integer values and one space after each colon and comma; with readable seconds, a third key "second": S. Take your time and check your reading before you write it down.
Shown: {"hour": 5, "minute": 55, "second": 6}
